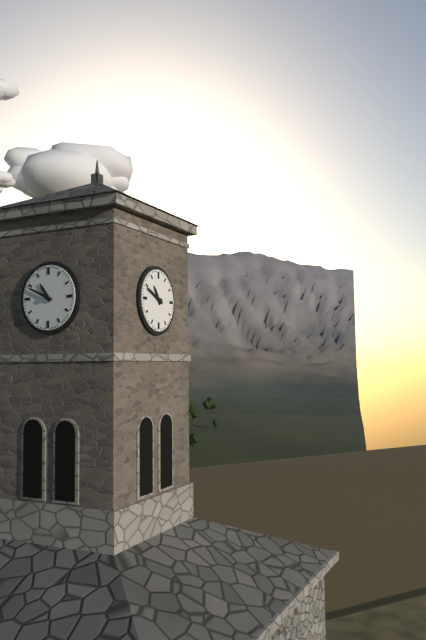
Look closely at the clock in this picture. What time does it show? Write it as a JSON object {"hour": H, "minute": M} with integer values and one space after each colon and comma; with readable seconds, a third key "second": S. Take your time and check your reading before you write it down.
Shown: {"hour": 10, "minute": 49}
